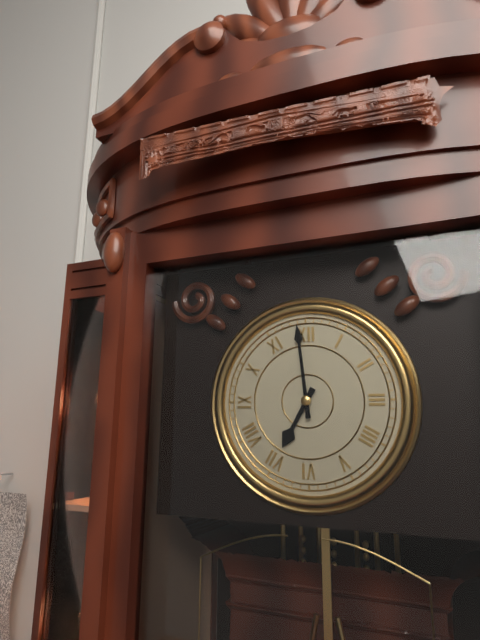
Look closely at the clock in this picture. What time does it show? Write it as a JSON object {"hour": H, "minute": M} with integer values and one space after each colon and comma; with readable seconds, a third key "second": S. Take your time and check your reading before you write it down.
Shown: {"hour": 6, "minute": 59}
